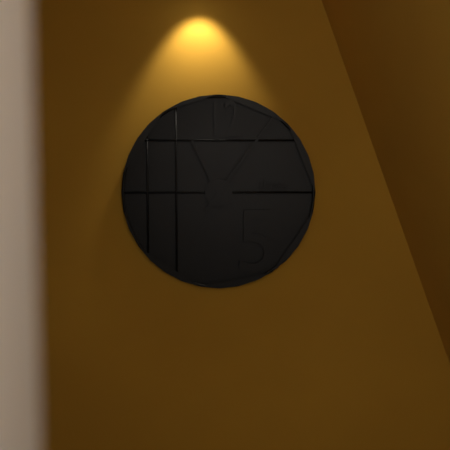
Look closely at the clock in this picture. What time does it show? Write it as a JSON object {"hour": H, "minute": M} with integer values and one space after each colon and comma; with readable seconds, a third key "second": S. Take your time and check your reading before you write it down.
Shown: {"hour": 11, "minute": 6}
